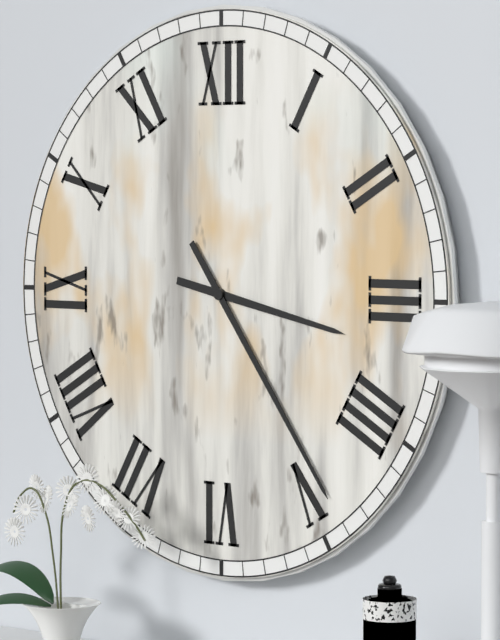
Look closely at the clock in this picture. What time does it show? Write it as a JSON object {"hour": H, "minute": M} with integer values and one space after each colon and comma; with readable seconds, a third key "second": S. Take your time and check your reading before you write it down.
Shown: {"hour": 3, "minute": 24}
